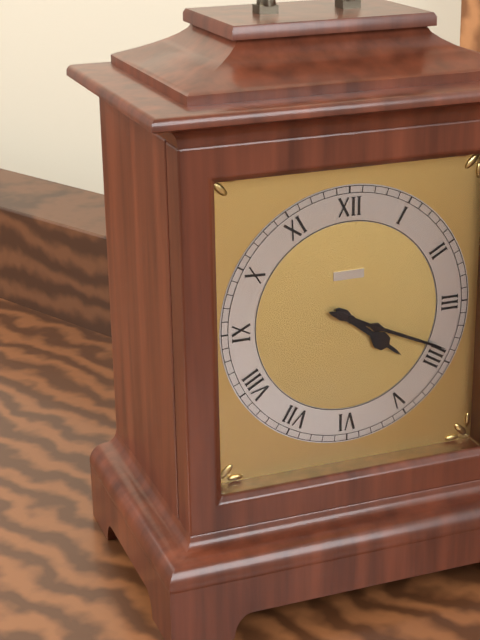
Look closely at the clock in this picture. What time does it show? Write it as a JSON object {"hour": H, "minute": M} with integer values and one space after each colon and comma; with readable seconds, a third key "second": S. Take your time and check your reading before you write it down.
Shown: {"hour": 4, "minute": 19}
